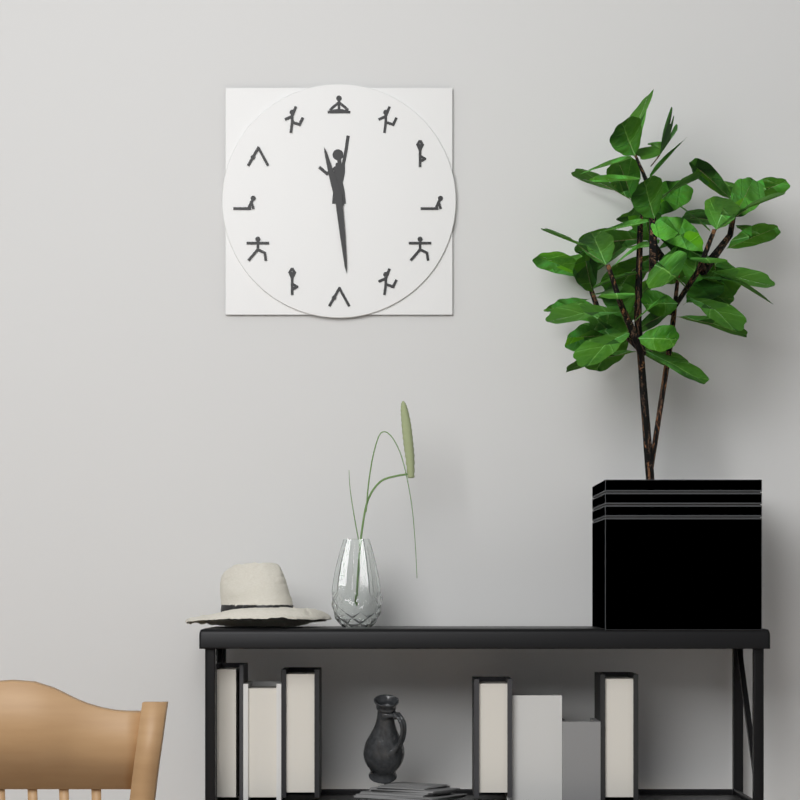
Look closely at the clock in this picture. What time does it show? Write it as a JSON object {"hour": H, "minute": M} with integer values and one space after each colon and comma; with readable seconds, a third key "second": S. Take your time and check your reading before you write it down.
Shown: {"hour": 11, "minute": 29}
